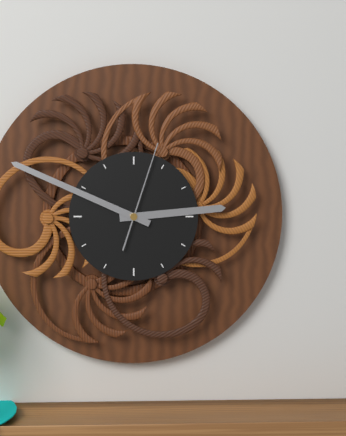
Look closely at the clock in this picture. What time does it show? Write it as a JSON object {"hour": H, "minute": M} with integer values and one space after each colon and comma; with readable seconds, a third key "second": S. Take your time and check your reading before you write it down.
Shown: {"hour": 2, "minute": 49, "second": 3}
